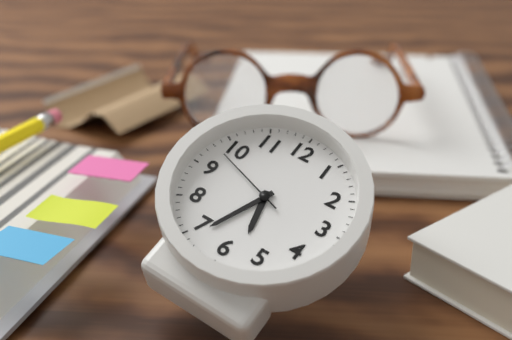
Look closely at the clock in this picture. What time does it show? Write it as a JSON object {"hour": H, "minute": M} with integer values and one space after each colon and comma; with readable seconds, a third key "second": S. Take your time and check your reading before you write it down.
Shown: {"hour": 5, "minute": 34, "second": 48}
